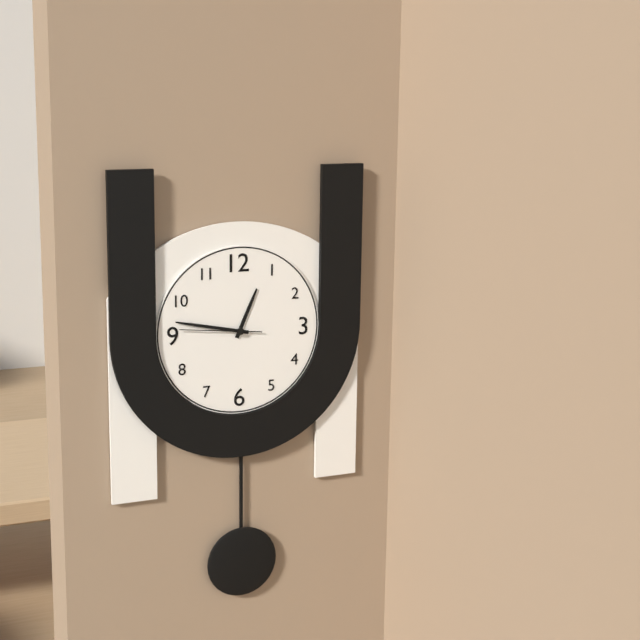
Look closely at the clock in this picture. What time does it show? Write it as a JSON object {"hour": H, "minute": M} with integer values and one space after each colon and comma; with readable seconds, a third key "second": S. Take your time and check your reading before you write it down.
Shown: {"hour": 12, "minute": 47, "second": 46}
